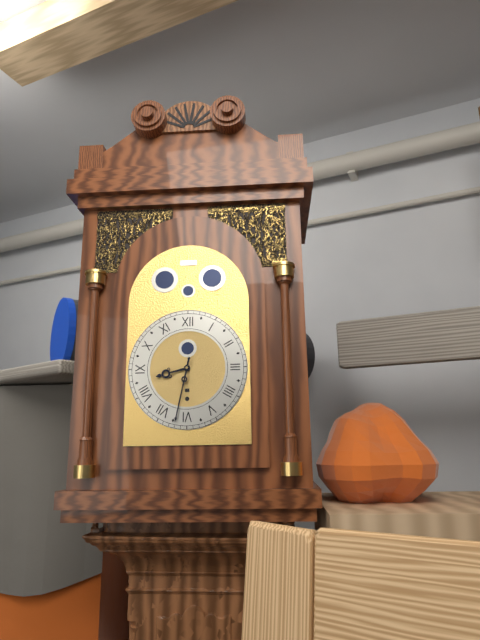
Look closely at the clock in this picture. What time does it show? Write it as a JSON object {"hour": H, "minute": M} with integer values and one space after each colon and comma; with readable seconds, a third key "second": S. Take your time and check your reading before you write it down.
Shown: {"hour": 8, "minute": 32}
